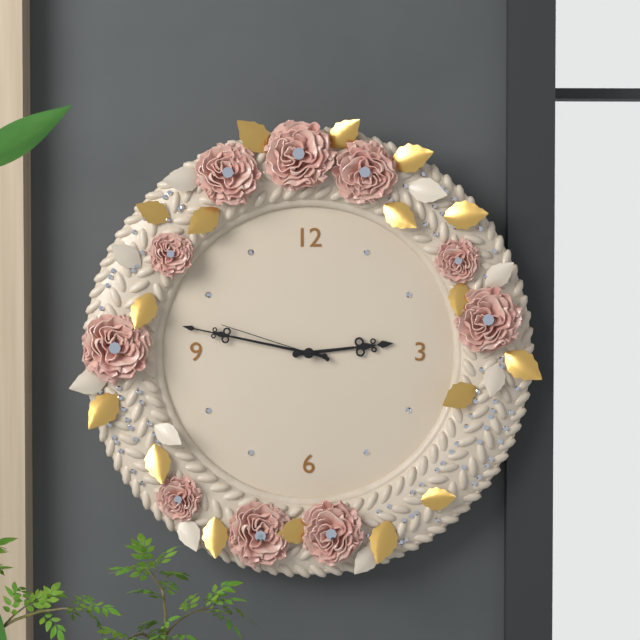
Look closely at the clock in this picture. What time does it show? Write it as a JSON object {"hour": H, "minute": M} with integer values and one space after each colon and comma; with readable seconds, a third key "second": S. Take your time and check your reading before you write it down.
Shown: {"hour": 2, "minute": 47, "second": 48}
